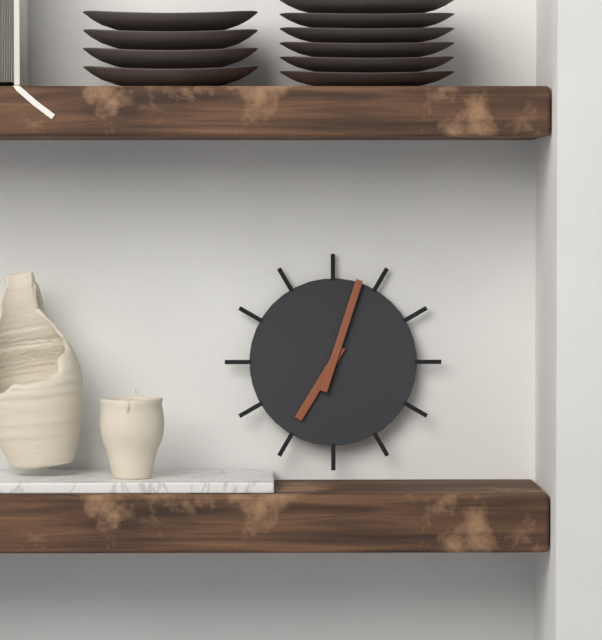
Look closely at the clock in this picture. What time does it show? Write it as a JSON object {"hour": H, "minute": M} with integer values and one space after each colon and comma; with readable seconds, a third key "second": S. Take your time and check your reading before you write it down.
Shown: {"hour": 7, "minute": 3}
